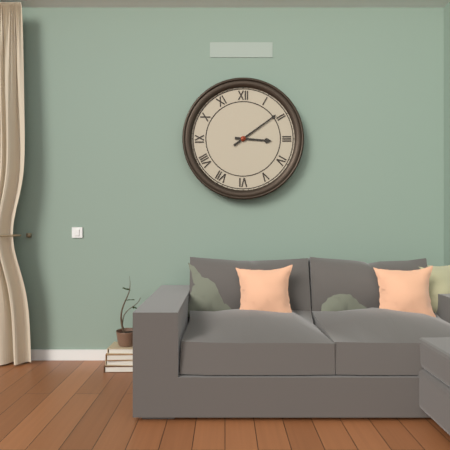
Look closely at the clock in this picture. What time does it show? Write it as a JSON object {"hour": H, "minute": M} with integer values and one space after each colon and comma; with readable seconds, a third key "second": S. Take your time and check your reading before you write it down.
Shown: {"hour": 3, "minute": 9}
